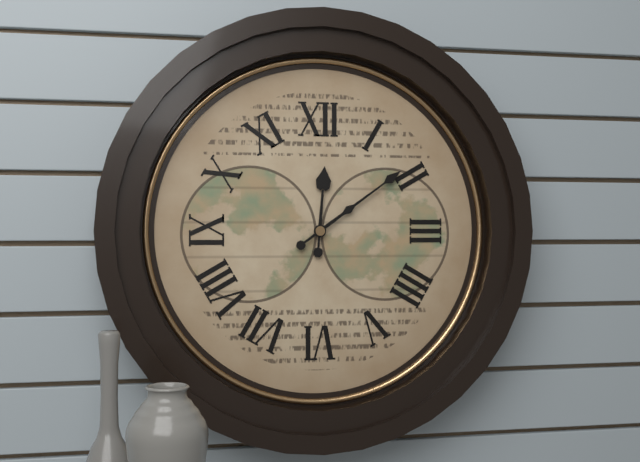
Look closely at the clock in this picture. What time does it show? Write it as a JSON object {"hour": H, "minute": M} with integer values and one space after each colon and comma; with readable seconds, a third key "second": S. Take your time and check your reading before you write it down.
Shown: {"hour": 12, "minute": 9}
